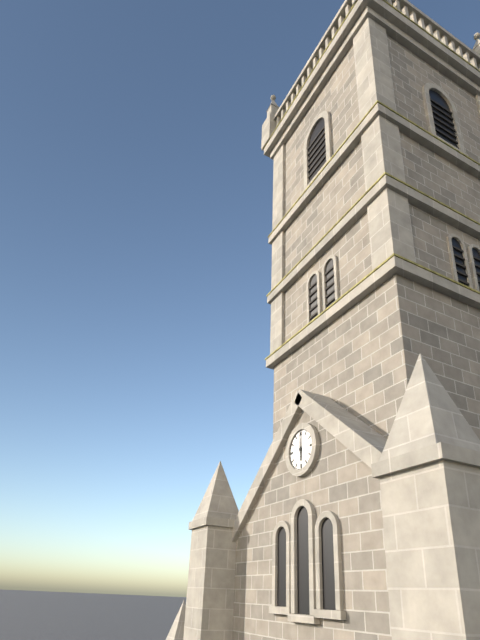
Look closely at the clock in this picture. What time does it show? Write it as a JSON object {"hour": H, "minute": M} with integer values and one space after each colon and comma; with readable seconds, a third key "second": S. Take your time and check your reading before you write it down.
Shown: {"hour": 6, "minute": 0}
